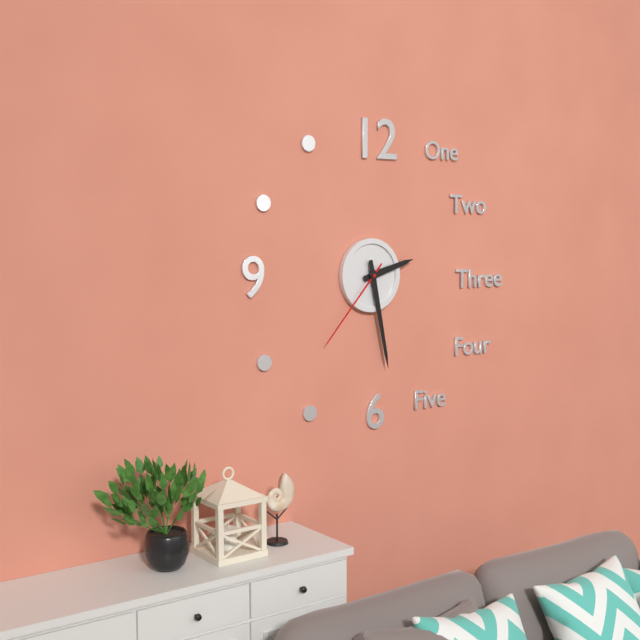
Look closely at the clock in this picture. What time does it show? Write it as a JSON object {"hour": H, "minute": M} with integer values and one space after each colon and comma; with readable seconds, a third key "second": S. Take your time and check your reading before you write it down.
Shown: {"hour": 2, "minute": 28, "second": 37}
